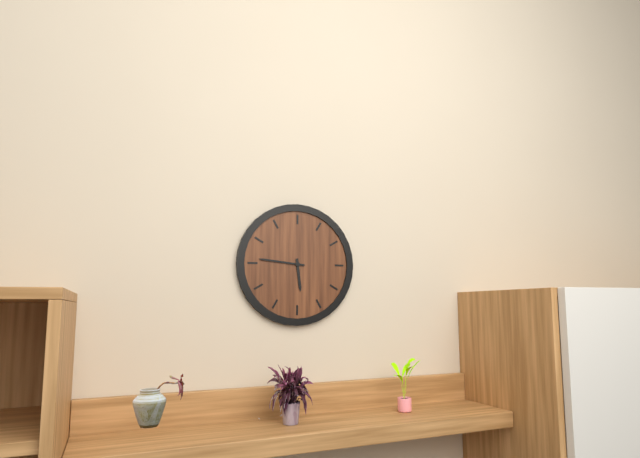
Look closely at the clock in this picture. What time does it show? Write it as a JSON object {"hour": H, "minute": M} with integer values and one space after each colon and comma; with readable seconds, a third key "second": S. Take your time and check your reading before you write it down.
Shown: {"hour": 5, "minute": 46}
